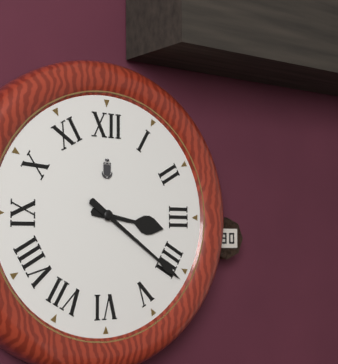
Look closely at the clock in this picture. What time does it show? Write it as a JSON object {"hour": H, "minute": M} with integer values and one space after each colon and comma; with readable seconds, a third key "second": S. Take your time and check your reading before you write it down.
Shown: {"hour": 3, "minute": 21}
